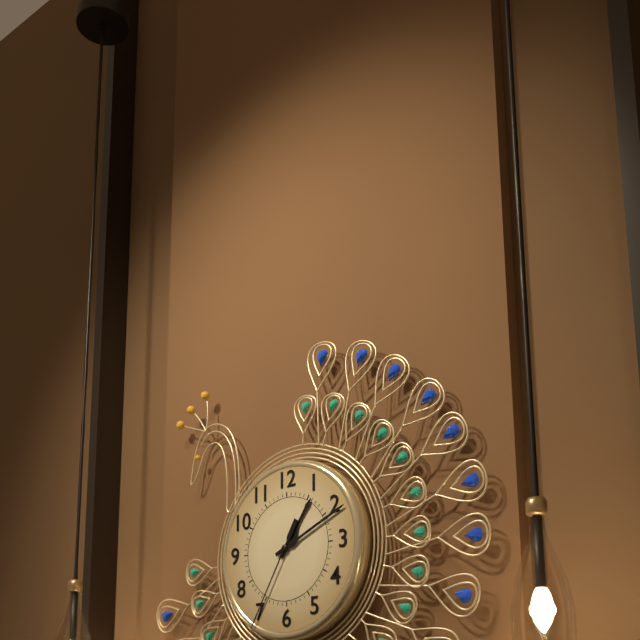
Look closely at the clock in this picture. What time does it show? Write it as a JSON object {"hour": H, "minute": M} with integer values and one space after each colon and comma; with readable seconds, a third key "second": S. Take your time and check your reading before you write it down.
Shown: {"hour": 1, "minute": 11, "second": 35}
